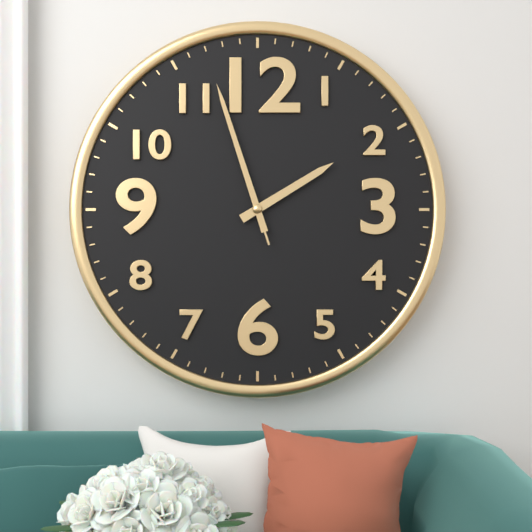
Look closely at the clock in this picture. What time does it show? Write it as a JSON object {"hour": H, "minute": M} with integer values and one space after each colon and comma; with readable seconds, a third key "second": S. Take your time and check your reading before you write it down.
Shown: {"hour": 1, "minute": 57, "second": 57}
